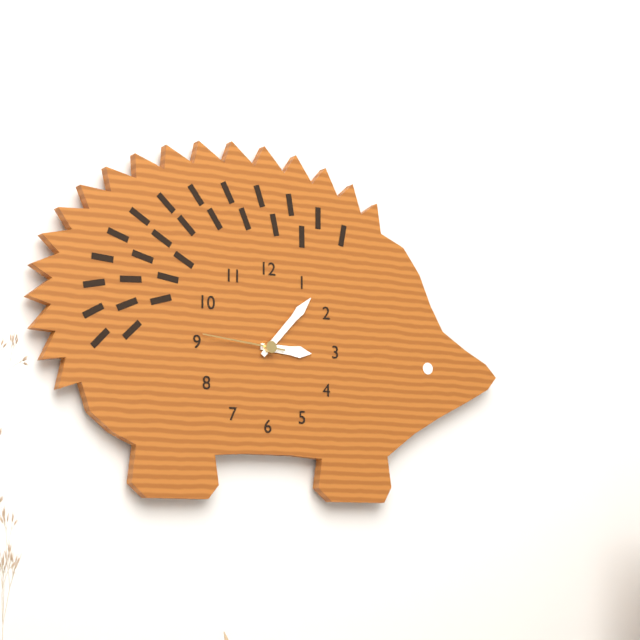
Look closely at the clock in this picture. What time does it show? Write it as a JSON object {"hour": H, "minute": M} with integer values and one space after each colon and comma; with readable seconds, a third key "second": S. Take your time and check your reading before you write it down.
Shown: {"hour": 3, "minute": 7, "second": 46}
